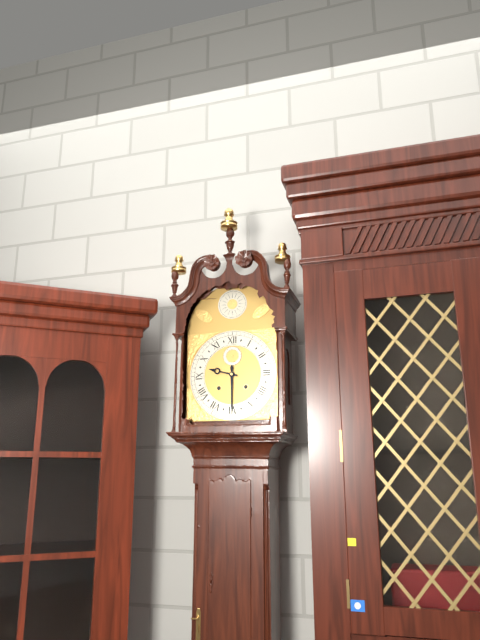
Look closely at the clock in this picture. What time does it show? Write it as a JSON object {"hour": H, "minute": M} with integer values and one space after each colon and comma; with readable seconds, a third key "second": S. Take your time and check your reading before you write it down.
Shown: {"hour": 9, "minute": 30}
